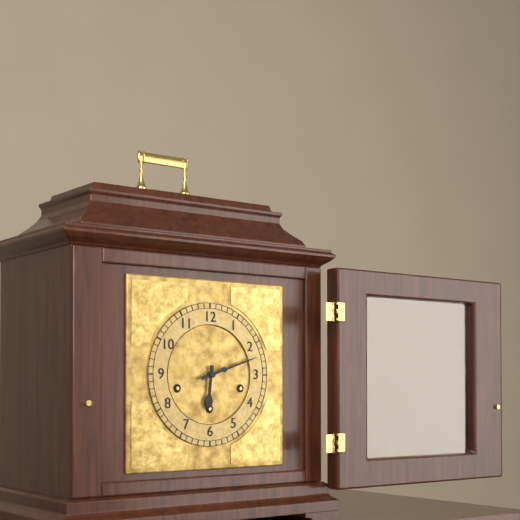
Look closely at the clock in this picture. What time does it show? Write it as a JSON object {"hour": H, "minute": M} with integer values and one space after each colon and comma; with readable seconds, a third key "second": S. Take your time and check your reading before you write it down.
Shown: {"hour": 6, "minute": 12}
